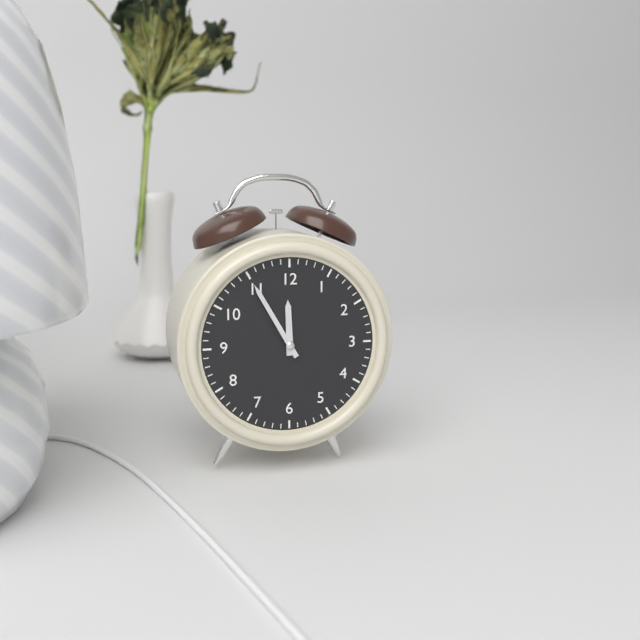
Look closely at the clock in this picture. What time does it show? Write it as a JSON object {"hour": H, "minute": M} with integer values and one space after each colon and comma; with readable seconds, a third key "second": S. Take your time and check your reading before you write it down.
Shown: {"hour": 11, "minute": 55}
